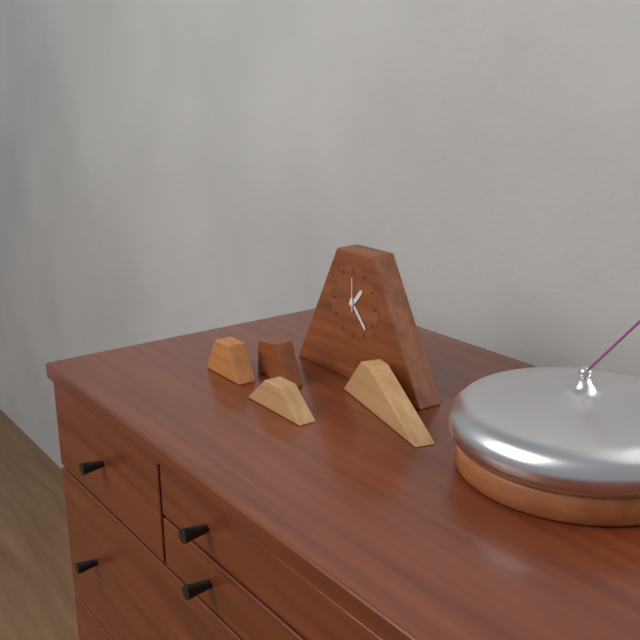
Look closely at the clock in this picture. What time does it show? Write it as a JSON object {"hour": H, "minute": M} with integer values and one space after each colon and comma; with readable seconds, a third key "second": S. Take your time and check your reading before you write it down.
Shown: {"hour": 1, "minute": 23}
